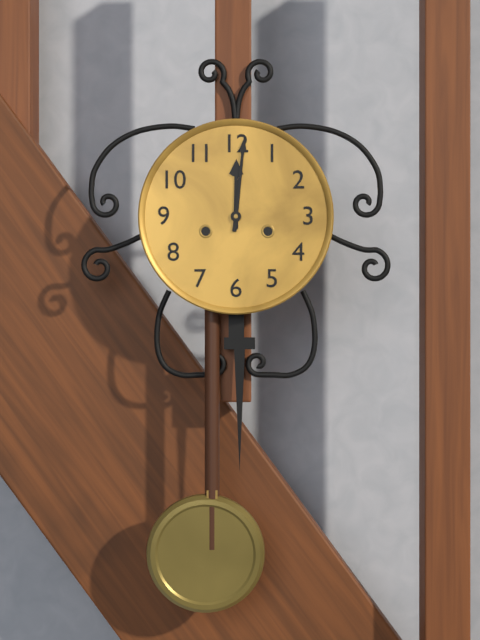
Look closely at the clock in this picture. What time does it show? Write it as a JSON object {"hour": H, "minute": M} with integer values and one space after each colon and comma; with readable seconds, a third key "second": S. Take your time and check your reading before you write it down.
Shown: {"hour": 12, "minute": 1}
